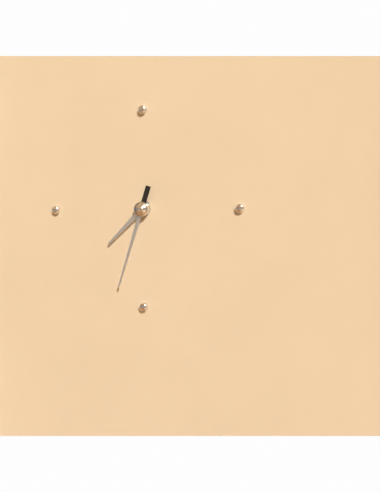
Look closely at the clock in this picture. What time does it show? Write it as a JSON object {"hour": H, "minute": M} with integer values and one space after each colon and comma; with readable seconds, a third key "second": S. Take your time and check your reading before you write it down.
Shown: {"hour": 7, "minute": 33}
